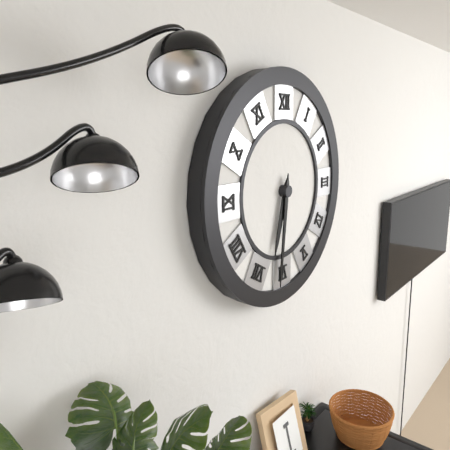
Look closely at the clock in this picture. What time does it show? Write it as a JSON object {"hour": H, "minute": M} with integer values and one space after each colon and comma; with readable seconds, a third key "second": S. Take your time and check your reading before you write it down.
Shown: {"hour": 6, "minute": 31}
